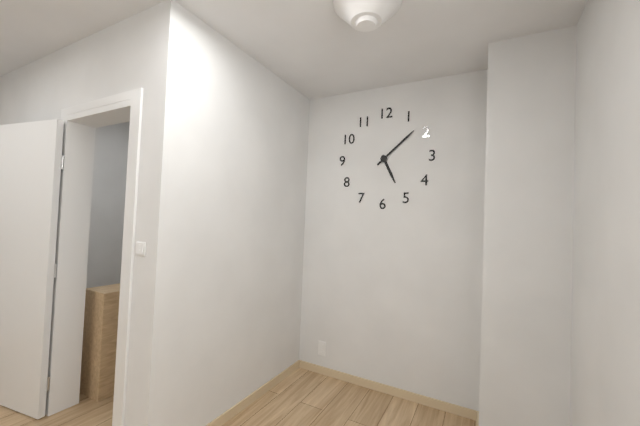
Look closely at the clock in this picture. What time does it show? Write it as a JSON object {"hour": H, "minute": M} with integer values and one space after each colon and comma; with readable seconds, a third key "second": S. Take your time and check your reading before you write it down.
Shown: {"hour": 5, "minute": 8}
